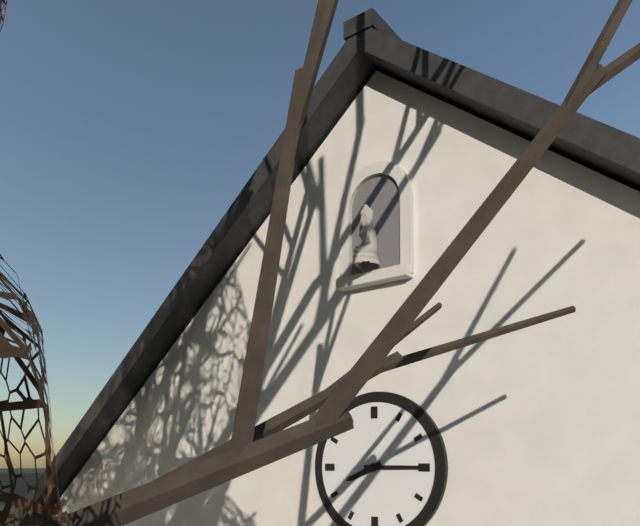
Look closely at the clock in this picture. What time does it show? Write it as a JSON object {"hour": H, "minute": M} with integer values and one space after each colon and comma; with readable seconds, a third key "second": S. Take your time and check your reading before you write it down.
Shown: {"hour": 8, "minute": 15}
